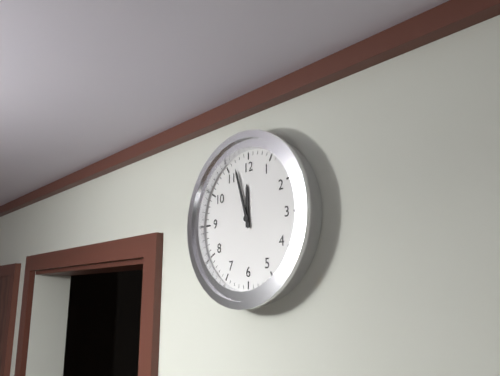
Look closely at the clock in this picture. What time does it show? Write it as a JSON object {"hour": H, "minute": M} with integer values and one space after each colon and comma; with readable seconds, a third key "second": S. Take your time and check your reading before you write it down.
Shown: {"hour": 11, "minute": 57}
